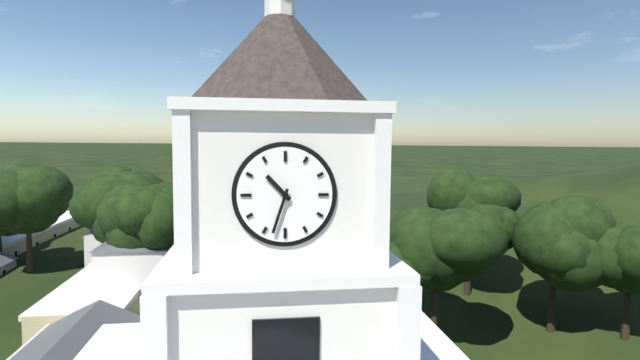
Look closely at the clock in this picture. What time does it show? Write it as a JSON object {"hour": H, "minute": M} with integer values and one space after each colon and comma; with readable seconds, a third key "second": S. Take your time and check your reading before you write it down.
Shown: {"hour": 10, "minute": 33}
